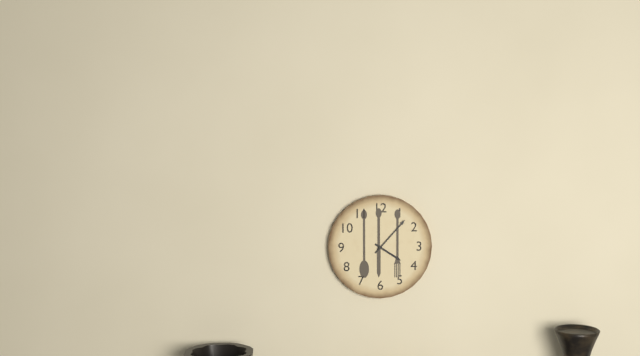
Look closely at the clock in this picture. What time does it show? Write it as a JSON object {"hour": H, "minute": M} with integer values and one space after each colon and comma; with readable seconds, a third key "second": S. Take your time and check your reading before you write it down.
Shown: {"hour": 4, "minute": 7}
